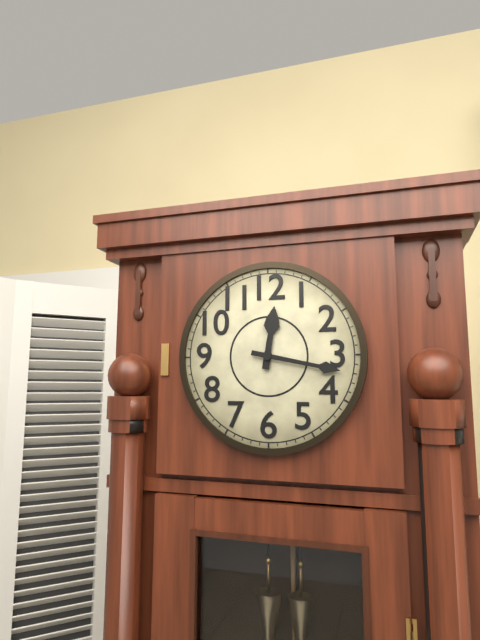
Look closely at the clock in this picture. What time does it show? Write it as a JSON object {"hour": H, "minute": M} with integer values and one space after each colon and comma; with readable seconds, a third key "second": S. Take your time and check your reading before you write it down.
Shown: {"hour": 12, "minute": 17}
